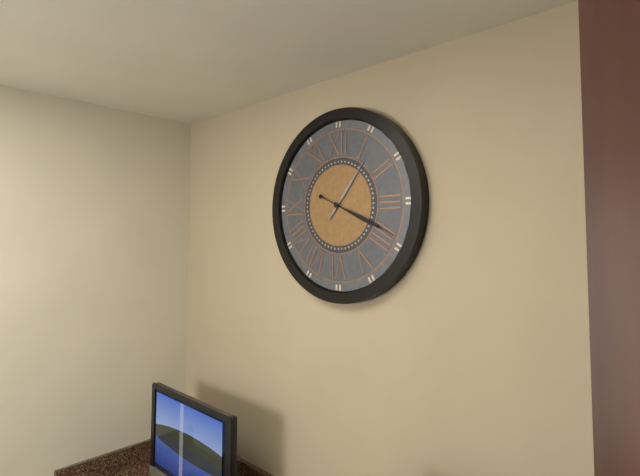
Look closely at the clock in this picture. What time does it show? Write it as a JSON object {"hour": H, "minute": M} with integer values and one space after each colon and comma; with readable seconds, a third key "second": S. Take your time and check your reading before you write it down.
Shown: {"hour": 1, "minute": 19}
